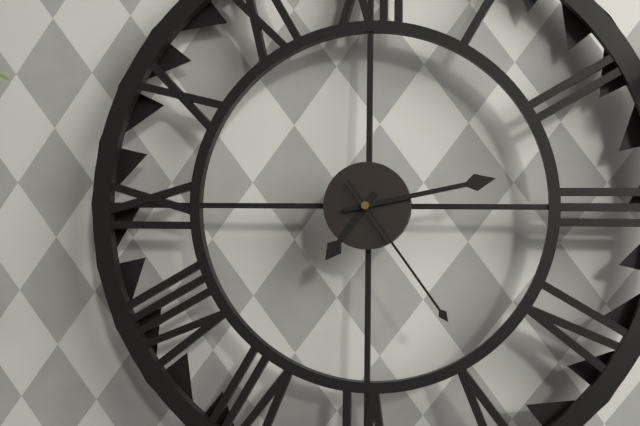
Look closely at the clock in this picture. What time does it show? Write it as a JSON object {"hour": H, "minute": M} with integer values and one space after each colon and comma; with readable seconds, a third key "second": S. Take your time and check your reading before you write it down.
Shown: {"hour": 7, "minute": 13, "second": 24}
